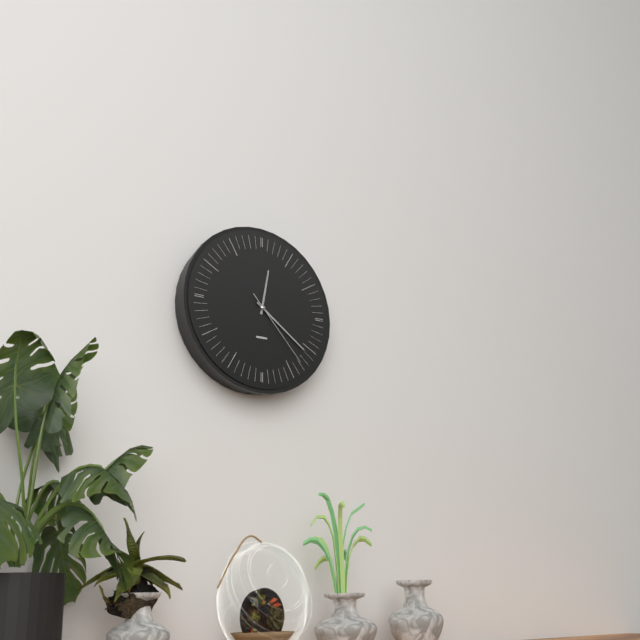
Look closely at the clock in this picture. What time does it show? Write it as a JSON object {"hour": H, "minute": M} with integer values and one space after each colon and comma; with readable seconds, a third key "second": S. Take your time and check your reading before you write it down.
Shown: {"hour": 12, "minute": 21, "second": 23}
